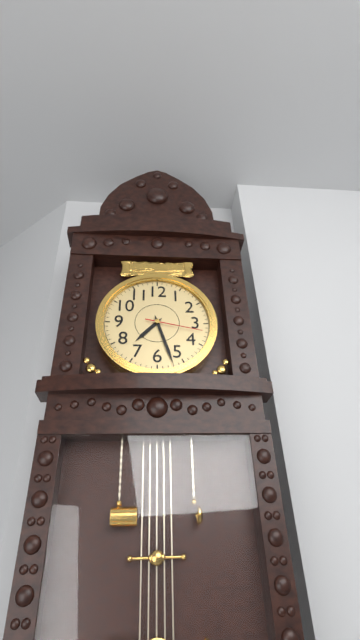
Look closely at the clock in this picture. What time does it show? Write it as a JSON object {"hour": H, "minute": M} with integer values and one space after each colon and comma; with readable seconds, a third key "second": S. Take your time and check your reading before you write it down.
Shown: {"hour": 7, "minute": 27, "second": 17}
